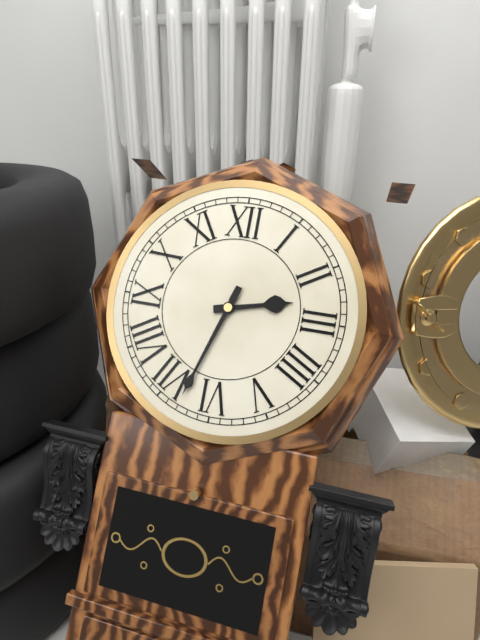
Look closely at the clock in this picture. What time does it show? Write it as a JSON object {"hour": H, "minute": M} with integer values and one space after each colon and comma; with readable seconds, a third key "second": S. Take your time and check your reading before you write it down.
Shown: {"hour": 2, "minute": 33}
